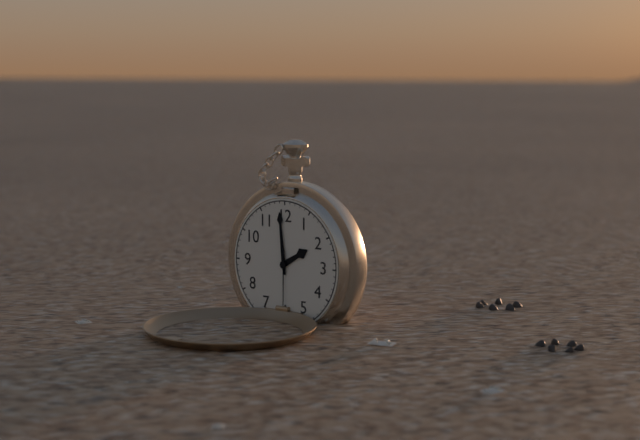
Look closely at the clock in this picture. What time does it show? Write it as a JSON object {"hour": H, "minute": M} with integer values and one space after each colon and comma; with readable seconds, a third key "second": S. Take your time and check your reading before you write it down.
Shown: {"hour": 1, "minute": 59, "second": 30}
